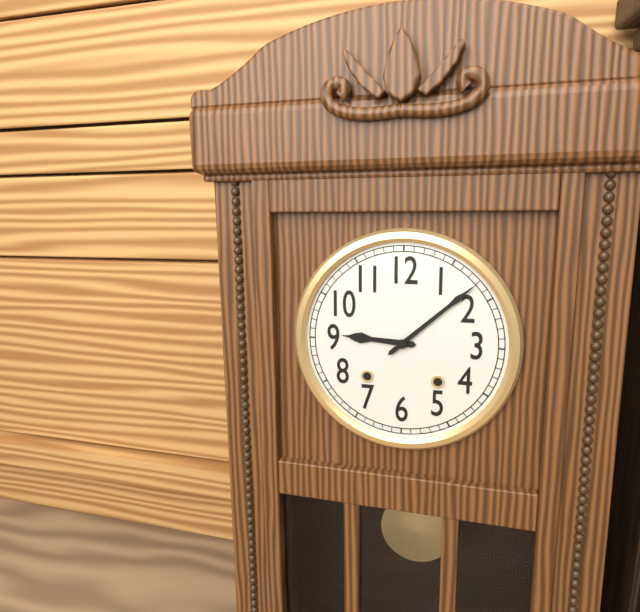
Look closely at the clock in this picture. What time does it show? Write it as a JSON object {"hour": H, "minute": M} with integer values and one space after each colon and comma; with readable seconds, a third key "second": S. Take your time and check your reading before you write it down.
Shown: {"hour": 9, "minute": 8}
